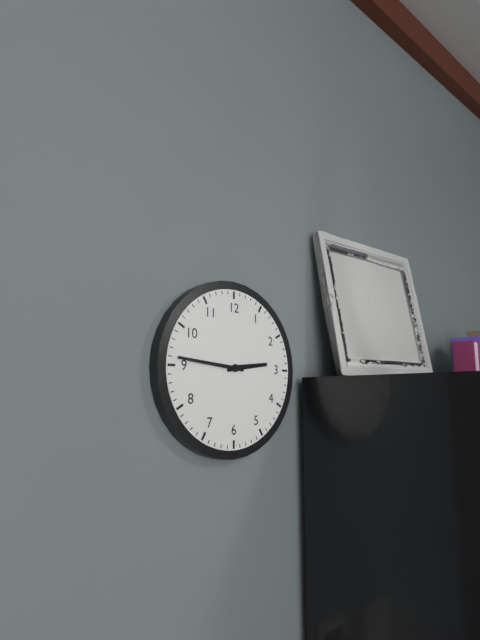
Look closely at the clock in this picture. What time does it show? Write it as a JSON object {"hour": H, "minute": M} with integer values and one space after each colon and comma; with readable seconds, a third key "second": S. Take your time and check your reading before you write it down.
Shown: {"hour": 2, "minute": 46}
